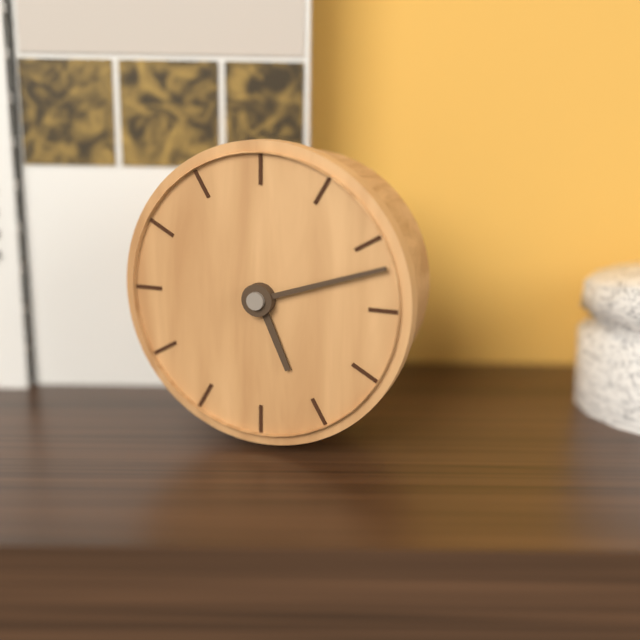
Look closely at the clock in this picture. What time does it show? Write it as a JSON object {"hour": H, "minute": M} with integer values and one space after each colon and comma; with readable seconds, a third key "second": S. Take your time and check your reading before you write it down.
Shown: {"hour": 5, "minute": 12}
